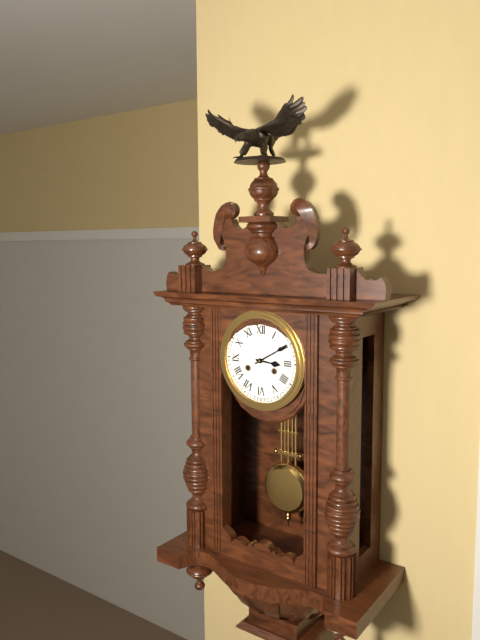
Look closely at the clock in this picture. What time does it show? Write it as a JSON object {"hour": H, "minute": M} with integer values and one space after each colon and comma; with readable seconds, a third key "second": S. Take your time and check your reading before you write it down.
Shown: {"hour": 3, "minute": 10}
